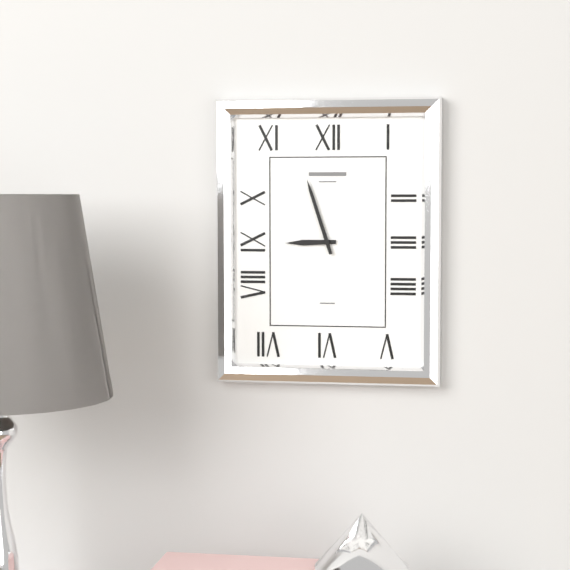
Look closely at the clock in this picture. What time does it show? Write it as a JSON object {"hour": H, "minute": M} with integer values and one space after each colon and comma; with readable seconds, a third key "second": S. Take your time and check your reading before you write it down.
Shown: {"hour": 8, "minute": 57}
